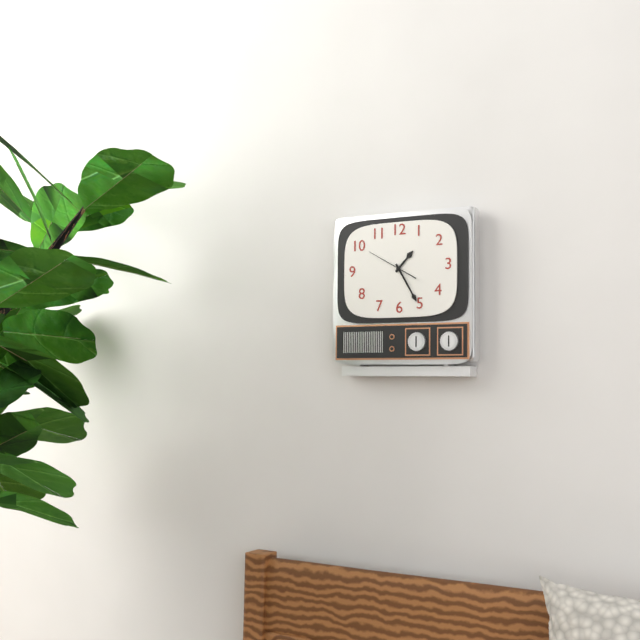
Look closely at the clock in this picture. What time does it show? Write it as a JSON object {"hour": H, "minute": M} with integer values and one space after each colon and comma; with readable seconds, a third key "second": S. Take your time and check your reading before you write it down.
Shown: {"hour": 1, "minute": 25}
